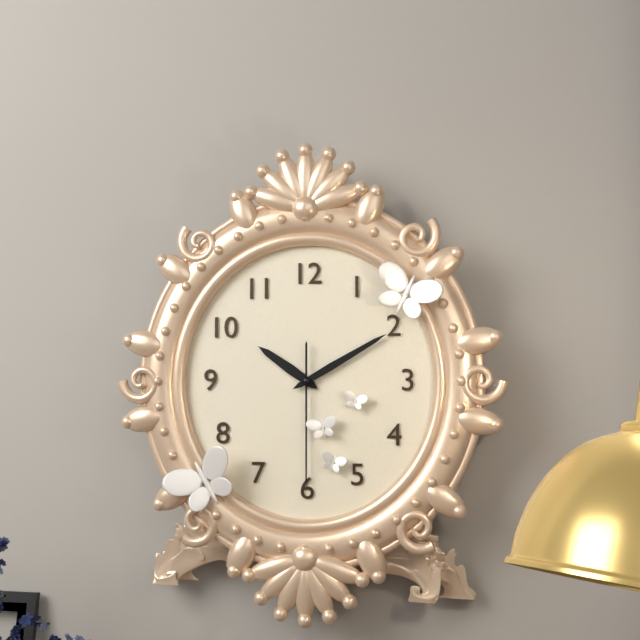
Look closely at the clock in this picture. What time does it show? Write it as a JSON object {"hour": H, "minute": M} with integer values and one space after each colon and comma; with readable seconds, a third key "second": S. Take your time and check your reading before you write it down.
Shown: {"hour": 10, "minute": 10, "second": 30}
